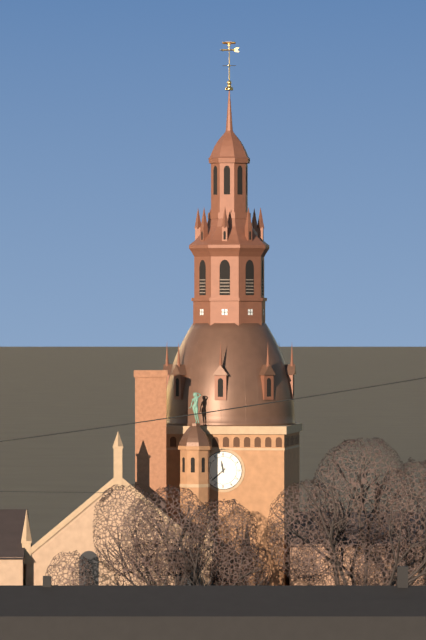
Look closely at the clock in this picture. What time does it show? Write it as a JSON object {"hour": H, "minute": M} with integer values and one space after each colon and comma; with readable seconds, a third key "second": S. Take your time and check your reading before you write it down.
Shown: {"hour": 11, "minute": 38}
